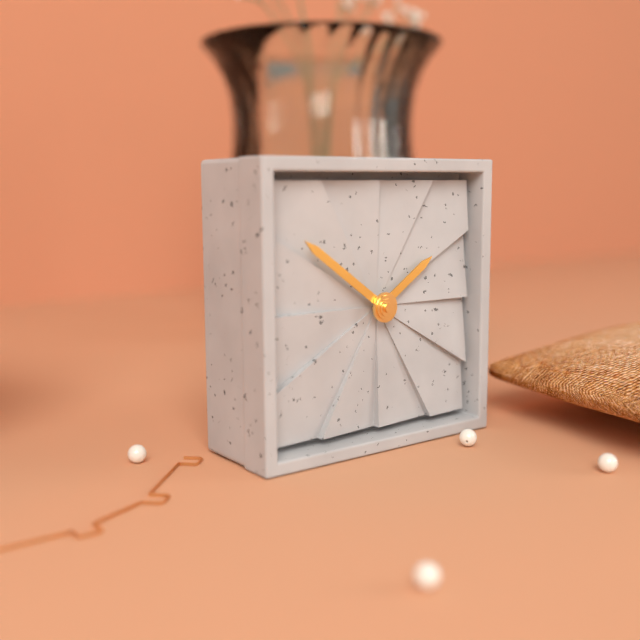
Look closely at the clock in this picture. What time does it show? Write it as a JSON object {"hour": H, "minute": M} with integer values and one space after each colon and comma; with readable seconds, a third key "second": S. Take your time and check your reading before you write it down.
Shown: {"hour": 1, "minute": 51}
